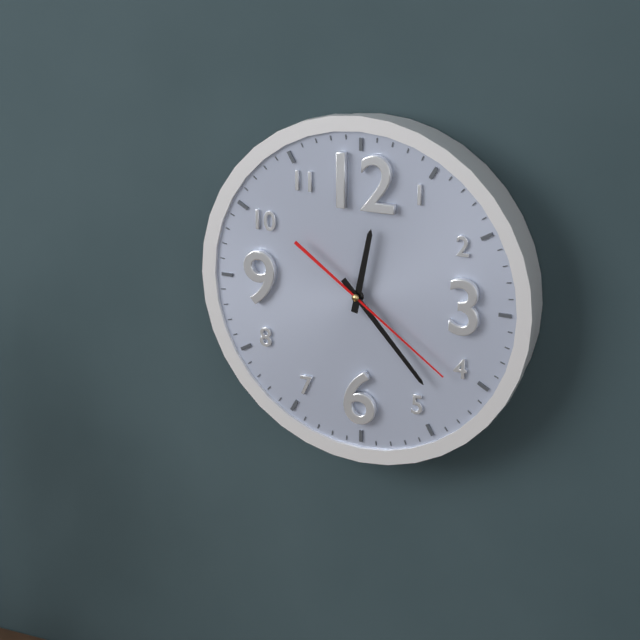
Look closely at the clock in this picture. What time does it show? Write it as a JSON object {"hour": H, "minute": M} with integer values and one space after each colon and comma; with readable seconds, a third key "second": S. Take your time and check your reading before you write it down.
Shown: {"hour": 12, "minute": 23, "second": 21}
